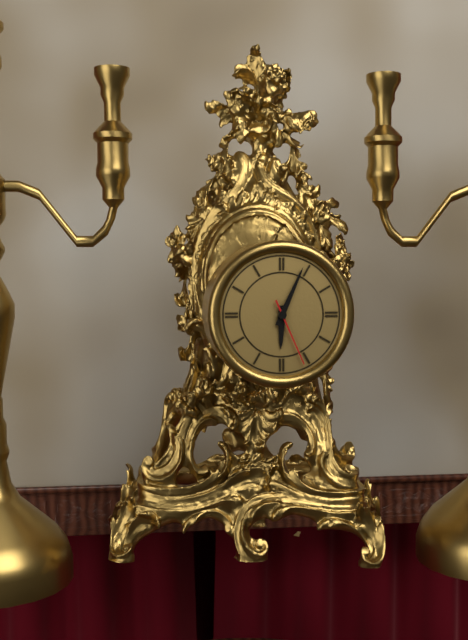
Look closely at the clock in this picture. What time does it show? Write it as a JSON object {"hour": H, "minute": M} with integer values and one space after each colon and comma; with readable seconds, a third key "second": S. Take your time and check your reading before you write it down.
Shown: {"hour": 6, "minute": 4, "second": 26}
